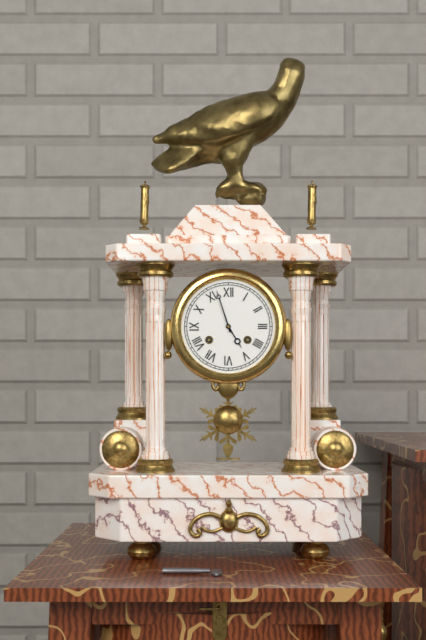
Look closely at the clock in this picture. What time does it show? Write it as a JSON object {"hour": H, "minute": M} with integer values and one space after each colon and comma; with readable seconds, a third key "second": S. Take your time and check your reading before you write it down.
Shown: {"hour": 4, "minute": 57}
